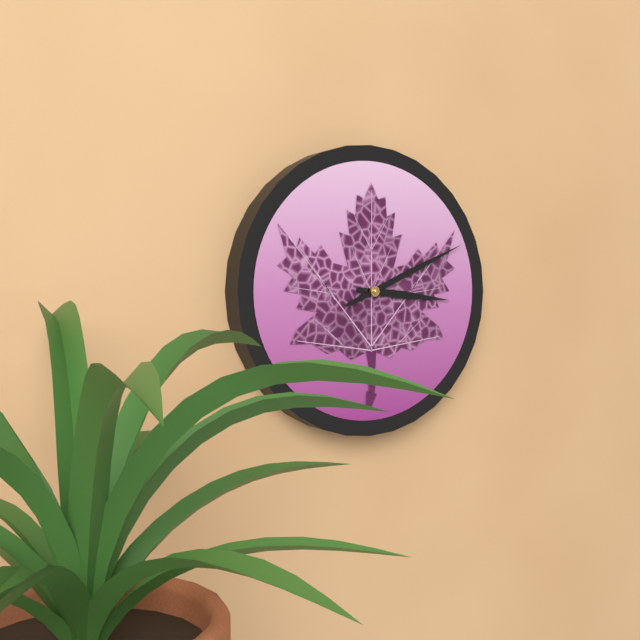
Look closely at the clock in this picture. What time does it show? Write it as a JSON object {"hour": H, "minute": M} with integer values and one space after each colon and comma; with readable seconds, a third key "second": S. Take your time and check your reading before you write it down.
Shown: {"hour": 3, "minute": 11}
